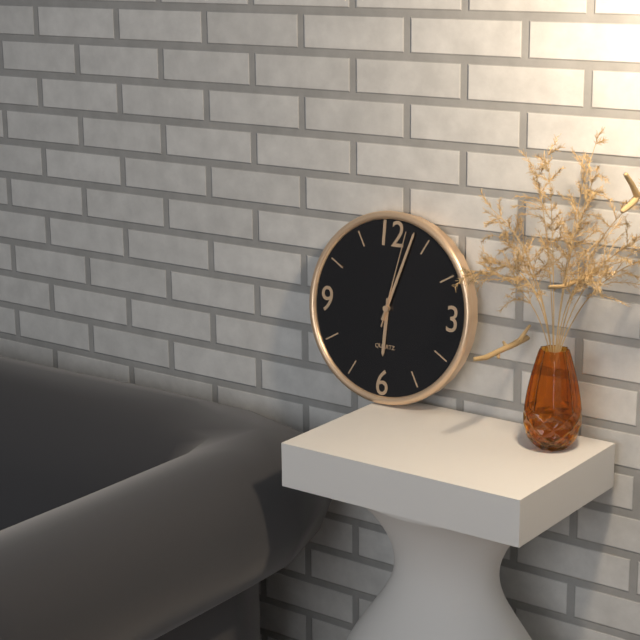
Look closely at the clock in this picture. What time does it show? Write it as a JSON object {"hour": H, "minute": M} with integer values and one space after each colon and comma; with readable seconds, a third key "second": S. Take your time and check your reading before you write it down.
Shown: {"hour": 6, "minute": 3, "second": 2}
